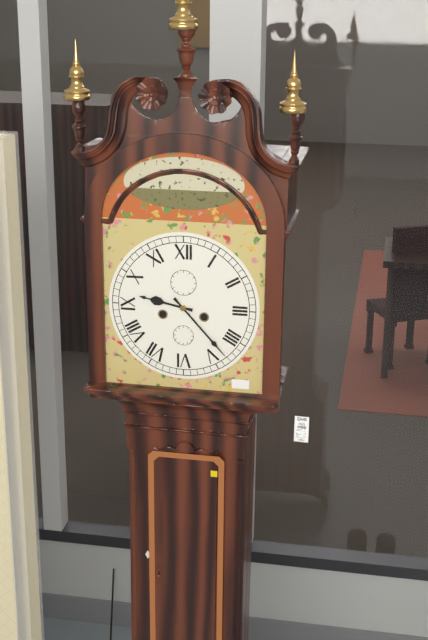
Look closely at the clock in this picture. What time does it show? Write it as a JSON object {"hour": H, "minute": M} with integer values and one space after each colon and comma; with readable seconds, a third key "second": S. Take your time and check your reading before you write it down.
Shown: {"hour": 9, "minute": 23}
